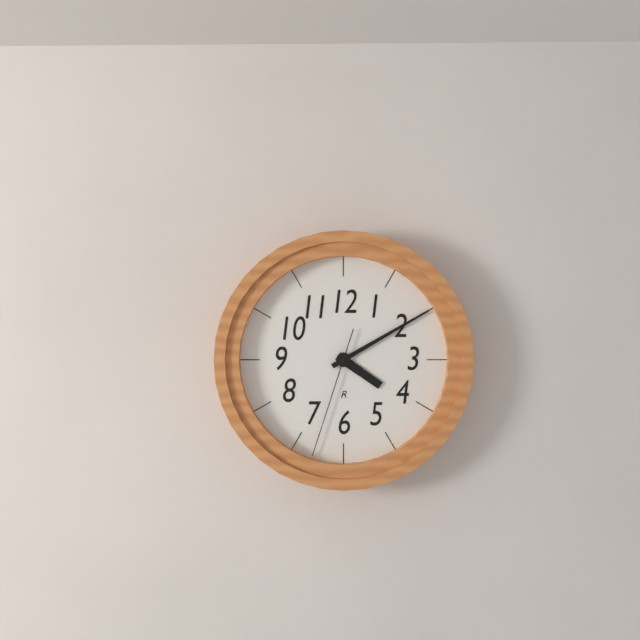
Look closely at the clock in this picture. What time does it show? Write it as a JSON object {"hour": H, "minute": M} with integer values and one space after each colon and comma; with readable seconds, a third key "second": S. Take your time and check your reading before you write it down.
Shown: {"hour": 4, "minute": 10, "second": 33}
